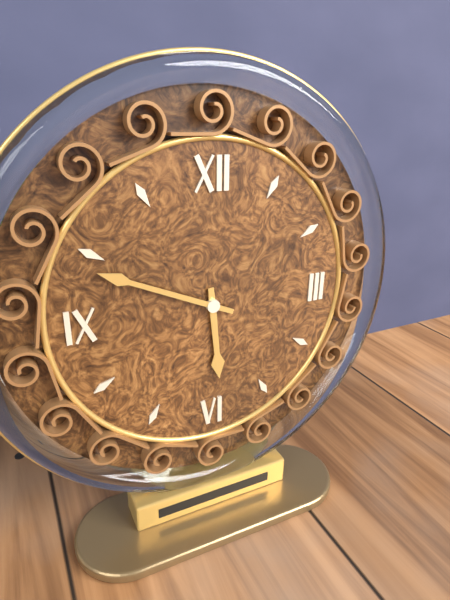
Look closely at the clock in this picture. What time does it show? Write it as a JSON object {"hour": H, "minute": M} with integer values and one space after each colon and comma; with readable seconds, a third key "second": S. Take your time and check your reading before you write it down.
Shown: {"hour": 5, "minute": 49}
